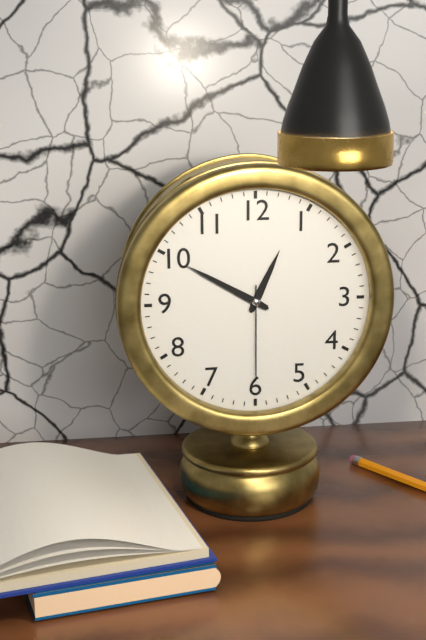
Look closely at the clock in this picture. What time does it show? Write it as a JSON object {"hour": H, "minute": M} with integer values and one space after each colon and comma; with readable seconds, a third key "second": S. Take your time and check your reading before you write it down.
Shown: {"hour": 12, "minute": 50, "second": 30}
